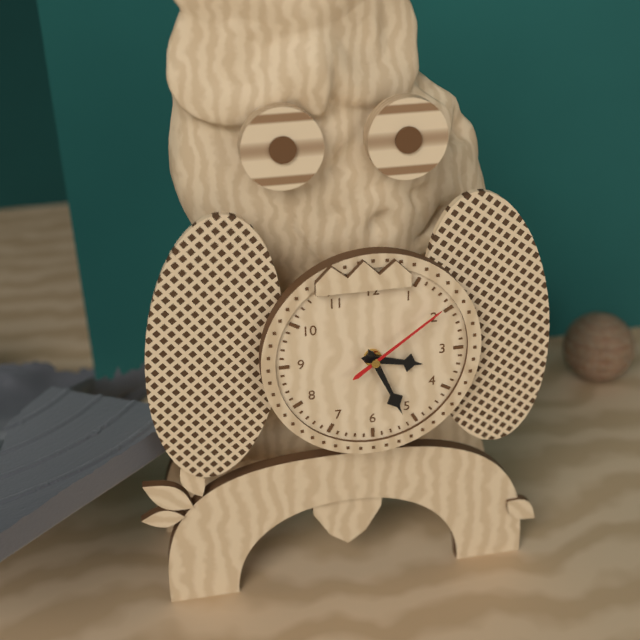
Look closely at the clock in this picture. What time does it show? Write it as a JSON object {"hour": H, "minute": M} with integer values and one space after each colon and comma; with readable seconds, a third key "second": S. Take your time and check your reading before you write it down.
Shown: {"hour": 3, "minute": 26, "second": 9}
